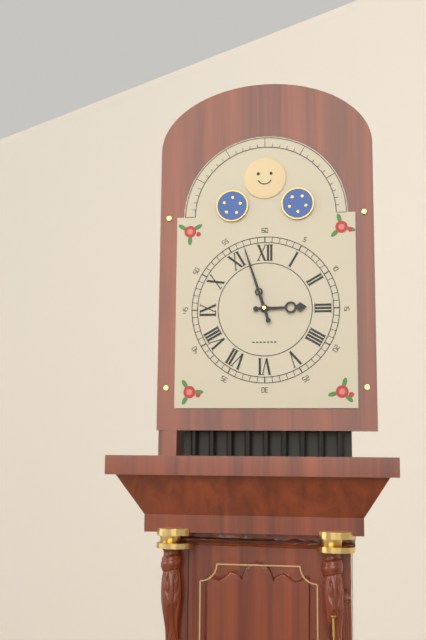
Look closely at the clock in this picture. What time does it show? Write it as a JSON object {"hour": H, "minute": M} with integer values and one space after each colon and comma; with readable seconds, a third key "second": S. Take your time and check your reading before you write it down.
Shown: {"hour": 2, "minute": 57}
